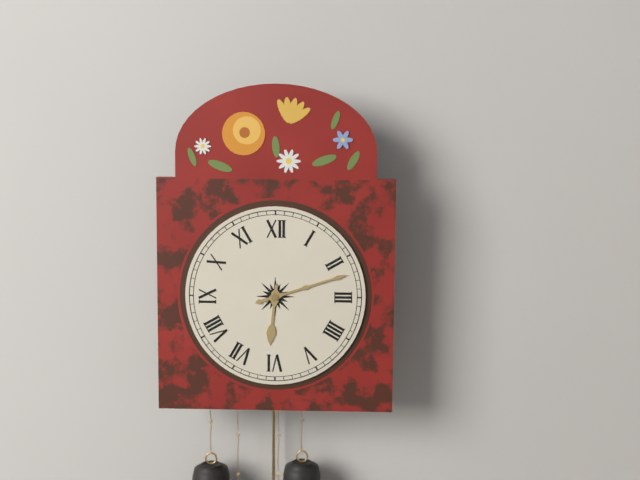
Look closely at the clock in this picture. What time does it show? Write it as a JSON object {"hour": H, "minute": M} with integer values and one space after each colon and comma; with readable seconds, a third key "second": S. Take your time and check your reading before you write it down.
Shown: {"hour": 6, "minute": 12}
